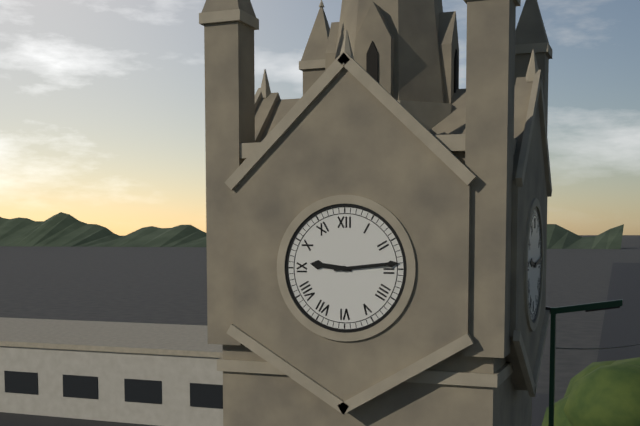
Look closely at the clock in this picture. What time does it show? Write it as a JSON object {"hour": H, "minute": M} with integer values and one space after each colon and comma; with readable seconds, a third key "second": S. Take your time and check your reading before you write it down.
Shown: {"hour": 9, "minute": 14}
